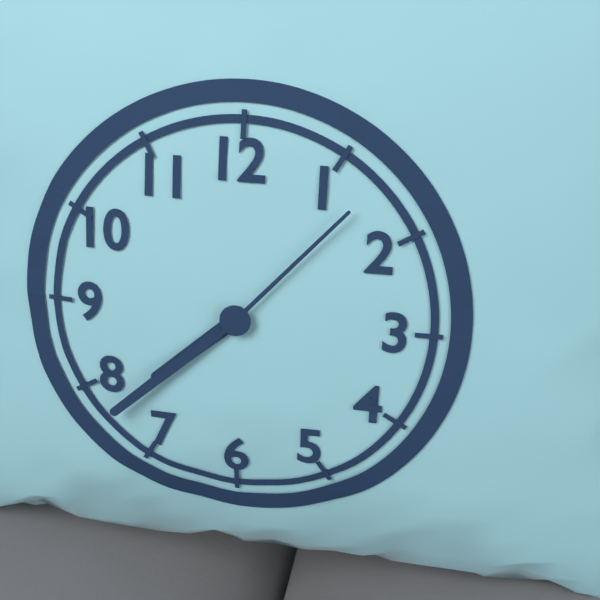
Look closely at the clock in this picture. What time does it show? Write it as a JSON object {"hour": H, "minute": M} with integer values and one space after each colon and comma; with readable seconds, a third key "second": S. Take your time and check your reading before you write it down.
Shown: {"hour": 7, "minute": 38, "second": 7}
